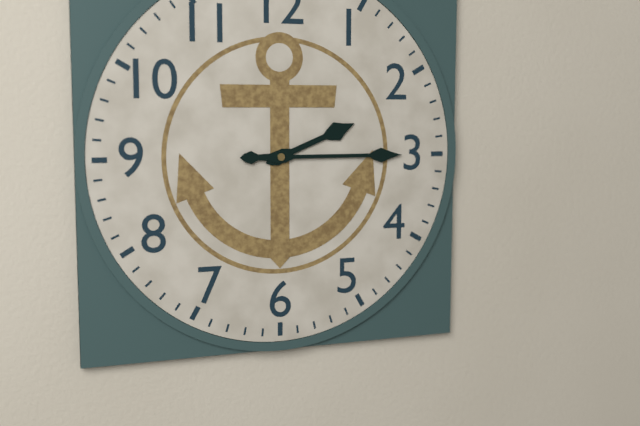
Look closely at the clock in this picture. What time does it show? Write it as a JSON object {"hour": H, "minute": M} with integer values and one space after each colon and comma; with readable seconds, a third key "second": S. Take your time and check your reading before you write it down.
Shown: {"hour": 2, "minute": 15}
